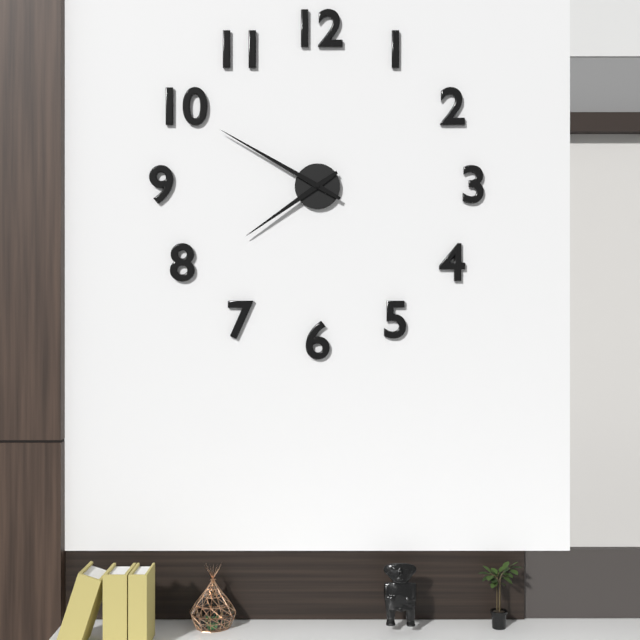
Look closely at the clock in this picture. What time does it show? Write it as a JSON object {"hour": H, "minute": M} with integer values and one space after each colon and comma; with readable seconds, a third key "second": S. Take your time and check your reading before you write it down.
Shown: {"hour": 7, "minute": 50}
